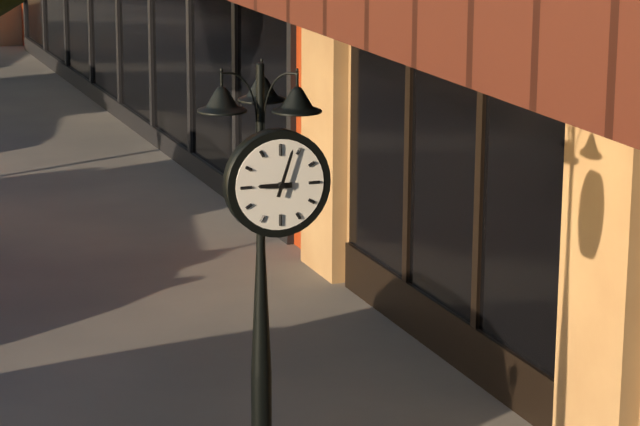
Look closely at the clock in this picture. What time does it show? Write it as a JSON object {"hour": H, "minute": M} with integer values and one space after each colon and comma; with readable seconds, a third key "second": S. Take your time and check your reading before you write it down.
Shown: {"hour": 9, "minute": 3}
